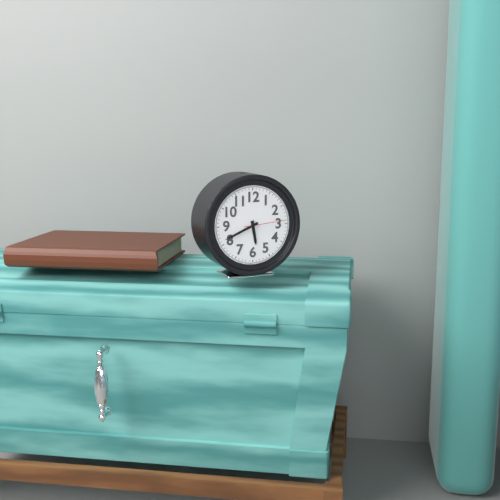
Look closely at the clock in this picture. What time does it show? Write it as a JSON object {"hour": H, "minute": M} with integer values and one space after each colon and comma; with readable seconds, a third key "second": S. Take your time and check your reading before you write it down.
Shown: {"hour": 5, "minute": 41}
